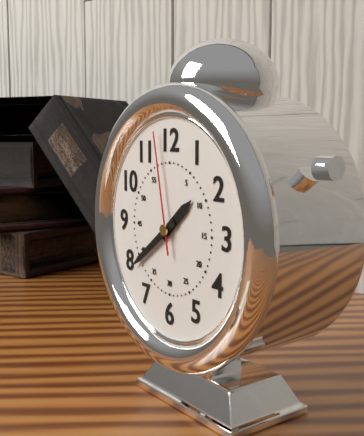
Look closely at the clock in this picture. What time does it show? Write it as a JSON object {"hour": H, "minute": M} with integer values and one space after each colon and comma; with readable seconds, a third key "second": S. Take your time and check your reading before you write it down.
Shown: {"hour": 1, "minute": 39, "second": 58}
